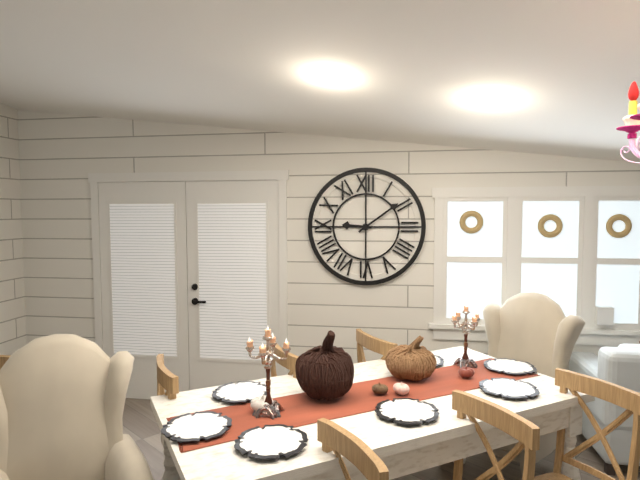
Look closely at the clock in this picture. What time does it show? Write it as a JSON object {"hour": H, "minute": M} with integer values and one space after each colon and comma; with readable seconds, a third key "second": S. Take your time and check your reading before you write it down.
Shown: {"hour": 9, "minute": 9}
